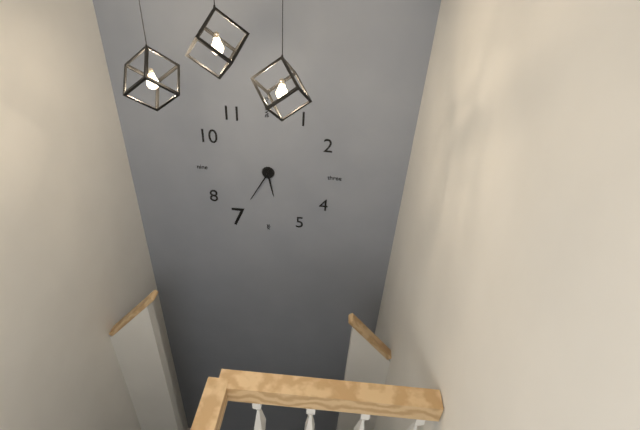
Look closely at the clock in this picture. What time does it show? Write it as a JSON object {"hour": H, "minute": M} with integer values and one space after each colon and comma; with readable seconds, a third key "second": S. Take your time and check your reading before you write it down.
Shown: {"hour": 5, "minute": 35}
